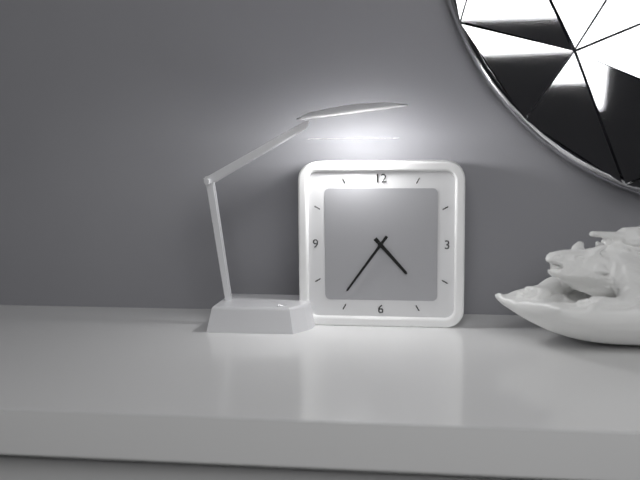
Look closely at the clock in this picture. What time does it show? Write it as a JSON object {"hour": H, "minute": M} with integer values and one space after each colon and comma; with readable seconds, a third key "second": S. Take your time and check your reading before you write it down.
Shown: {"hour": 4, "minute": 36}
